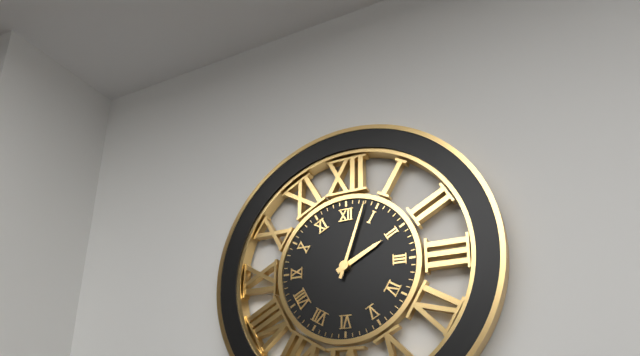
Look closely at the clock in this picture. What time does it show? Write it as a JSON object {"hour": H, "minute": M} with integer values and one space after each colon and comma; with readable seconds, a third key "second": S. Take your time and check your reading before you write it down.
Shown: {"hour": 2, "minute": 3}
